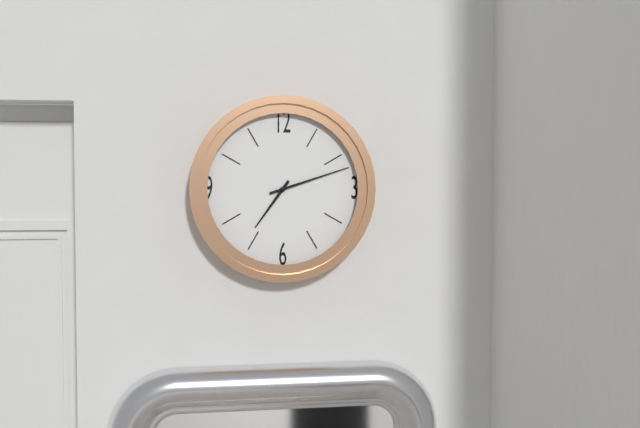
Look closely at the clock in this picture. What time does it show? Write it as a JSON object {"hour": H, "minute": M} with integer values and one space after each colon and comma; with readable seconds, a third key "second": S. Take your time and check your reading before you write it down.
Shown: {"hour": 7, "minute": 12}
